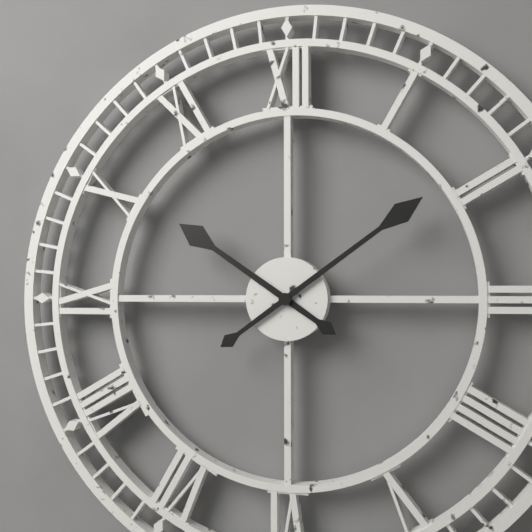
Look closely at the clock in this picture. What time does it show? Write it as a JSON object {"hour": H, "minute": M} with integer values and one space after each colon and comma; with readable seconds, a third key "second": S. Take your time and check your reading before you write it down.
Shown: {"hour": 10, "minute": 9}
